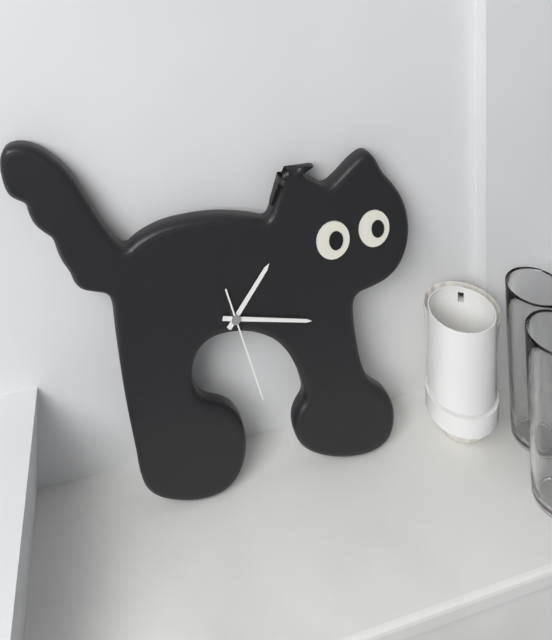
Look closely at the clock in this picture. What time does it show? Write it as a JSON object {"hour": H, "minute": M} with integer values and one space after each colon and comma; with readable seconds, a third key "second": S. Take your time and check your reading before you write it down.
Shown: {"hour": 1, "minute": 17, "second": 27}
